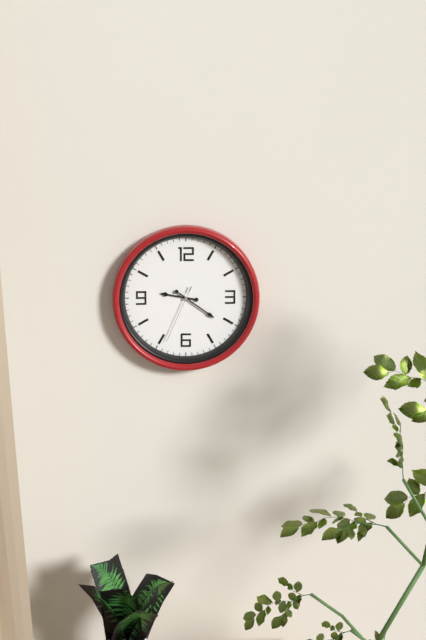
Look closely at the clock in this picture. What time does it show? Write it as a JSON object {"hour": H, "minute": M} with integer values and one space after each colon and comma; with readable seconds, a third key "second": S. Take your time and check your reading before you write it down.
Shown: {"hour": 9, "minute": 21, "second": 34}
